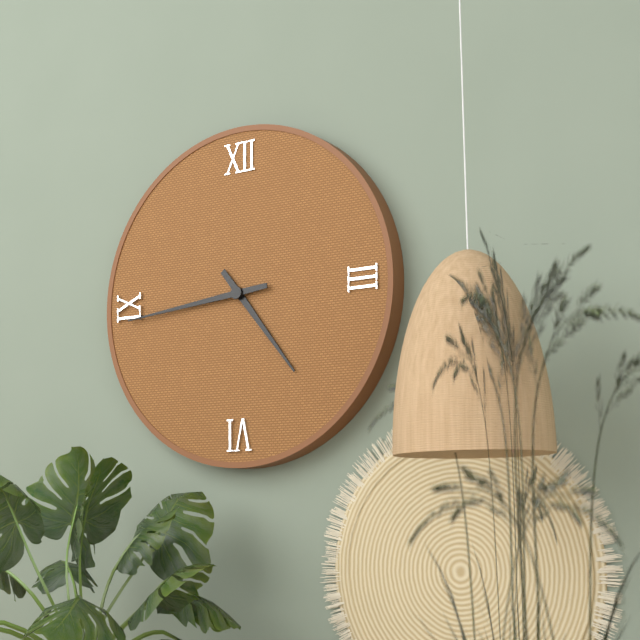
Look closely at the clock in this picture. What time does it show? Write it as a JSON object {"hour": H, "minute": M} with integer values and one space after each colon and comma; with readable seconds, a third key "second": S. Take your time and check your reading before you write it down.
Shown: {"hour": 4, "minute": 44}
